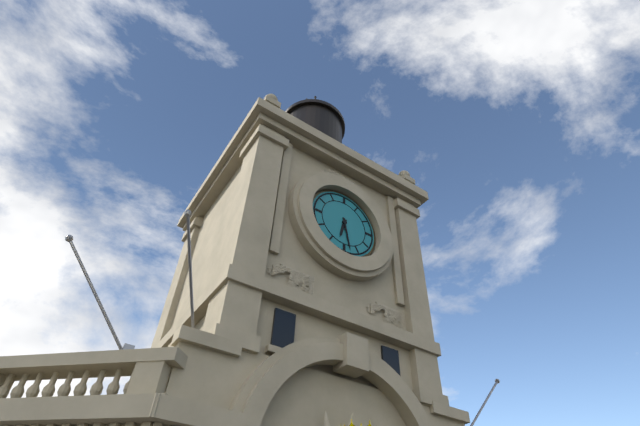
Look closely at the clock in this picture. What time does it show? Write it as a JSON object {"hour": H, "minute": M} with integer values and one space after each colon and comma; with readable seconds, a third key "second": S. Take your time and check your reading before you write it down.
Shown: {"hour": 6, "minute": 28}
